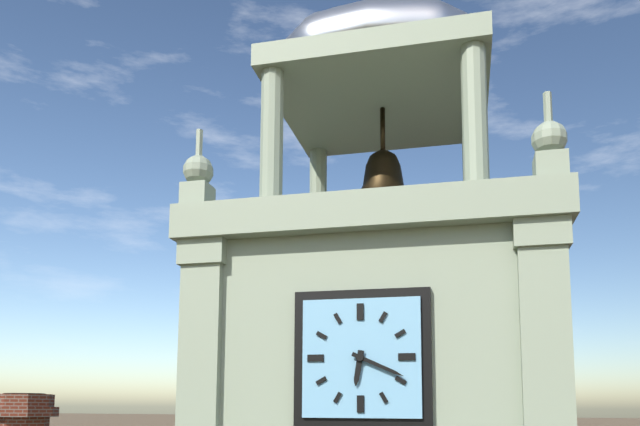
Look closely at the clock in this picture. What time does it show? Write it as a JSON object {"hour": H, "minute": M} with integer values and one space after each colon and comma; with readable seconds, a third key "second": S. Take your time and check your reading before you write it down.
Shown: {"hour": 6, "minute": 19}
